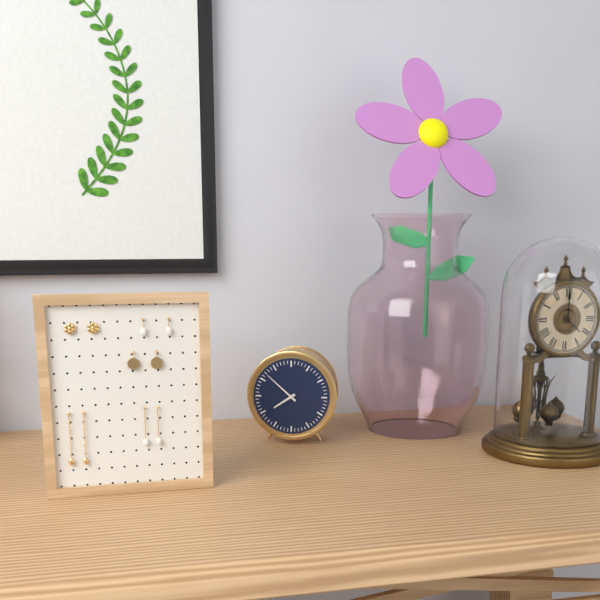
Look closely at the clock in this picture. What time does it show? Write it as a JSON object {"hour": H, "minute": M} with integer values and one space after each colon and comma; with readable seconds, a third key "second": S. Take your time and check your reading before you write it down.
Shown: {"hour": 7, "minute": 52}
